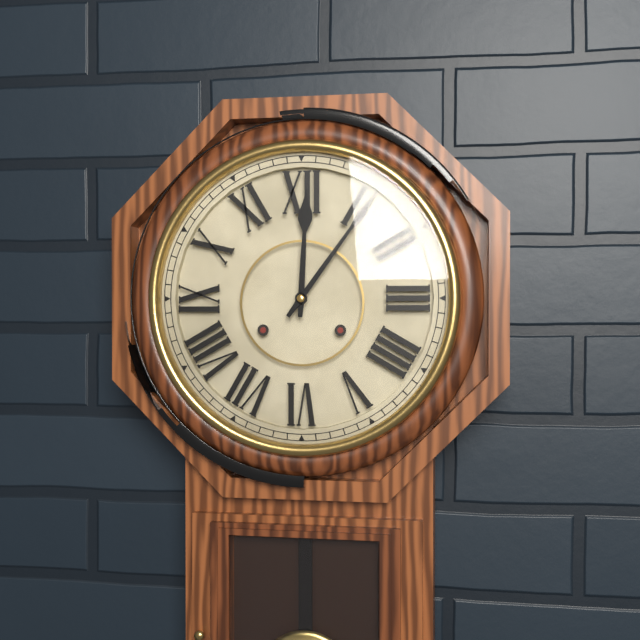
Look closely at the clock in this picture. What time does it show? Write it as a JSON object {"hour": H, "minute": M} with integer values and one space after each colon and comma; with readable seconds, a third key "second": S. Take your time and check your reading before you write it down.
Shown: {"hour": 12, "minute": 6}
